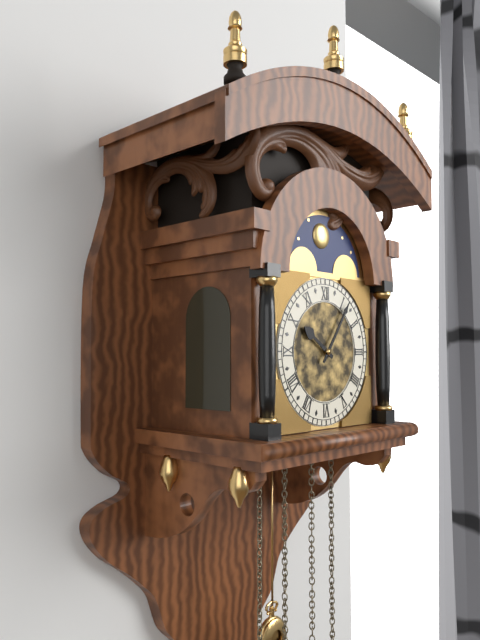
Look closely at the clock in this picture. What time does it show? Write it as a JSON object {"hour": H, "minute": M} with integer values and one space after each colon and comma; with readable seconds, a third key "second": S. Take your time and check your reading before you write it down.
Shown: {"hour": 10, "minute": 6}
